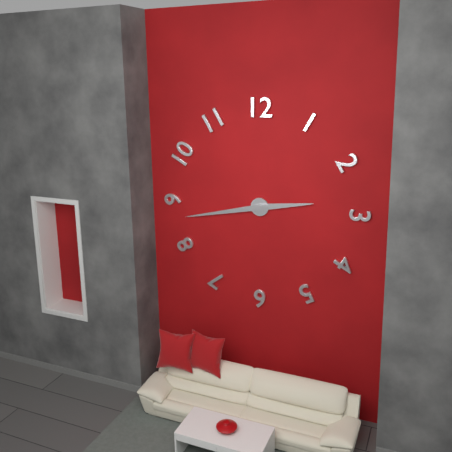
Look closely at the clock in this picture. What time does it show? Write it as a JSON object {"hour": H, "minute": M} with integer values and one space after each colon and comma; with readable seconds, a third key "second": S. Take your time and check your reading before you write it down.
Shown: {"hour": 2, "minute": 43}
